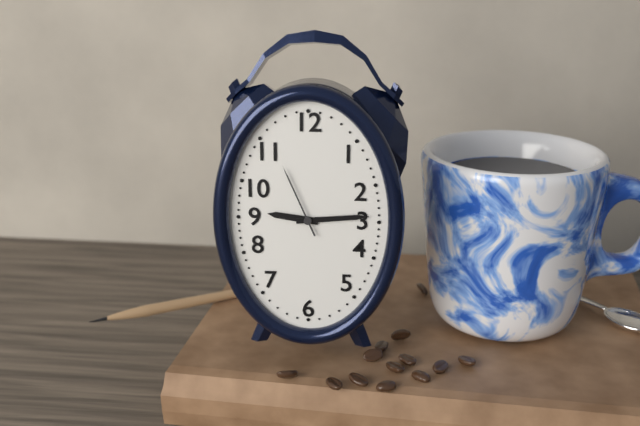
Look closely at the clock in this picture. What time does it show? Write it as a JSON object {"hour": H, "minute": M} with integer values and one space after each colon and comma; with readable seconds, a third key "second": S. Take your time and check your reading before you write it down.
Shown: {"hour": 9, "minute": 14, "second": 56}
